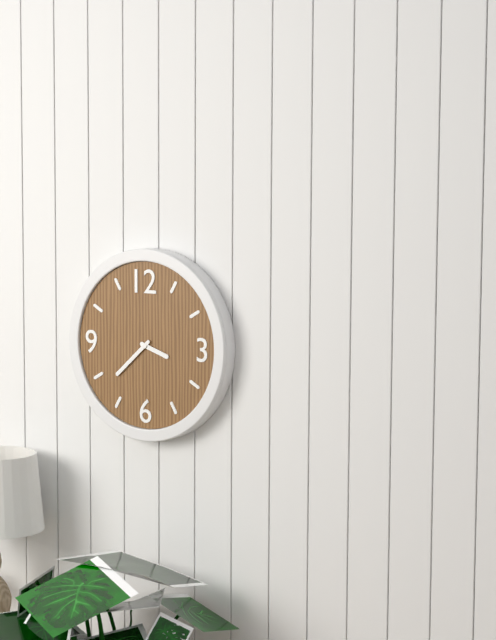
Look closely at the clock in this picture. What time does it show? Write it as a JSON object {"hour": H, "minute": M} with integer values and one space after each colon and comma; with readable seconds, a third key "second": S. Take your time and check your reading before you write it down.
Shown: {"hour": 3, "minute": 38}
